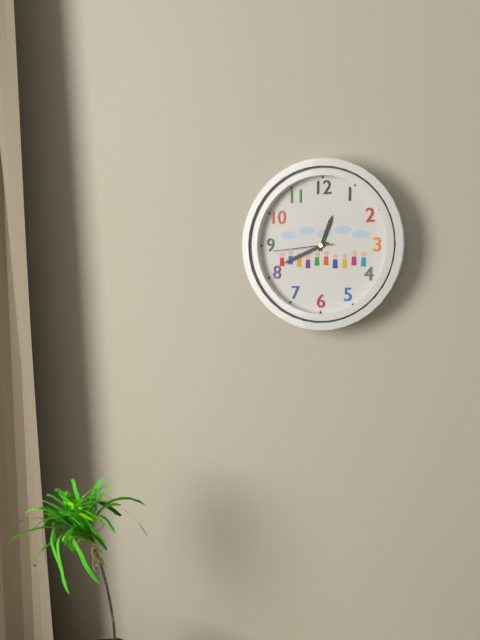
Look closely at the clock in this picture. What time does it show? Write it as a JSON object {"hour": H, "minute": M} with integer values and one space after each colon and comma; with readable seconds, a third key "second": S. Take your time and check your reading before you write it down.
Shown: {"hour": 12, "minute": 41, "second": 44}
